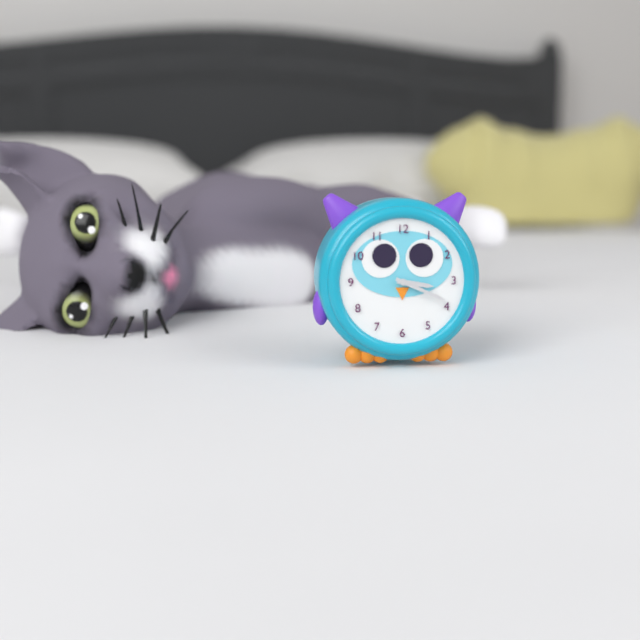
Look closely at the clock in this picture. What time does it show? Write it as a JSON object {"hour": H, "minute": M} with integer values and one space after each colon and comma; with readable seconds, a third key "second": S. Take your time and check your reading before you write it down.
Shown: {"hour": 3, "minute": 19}
